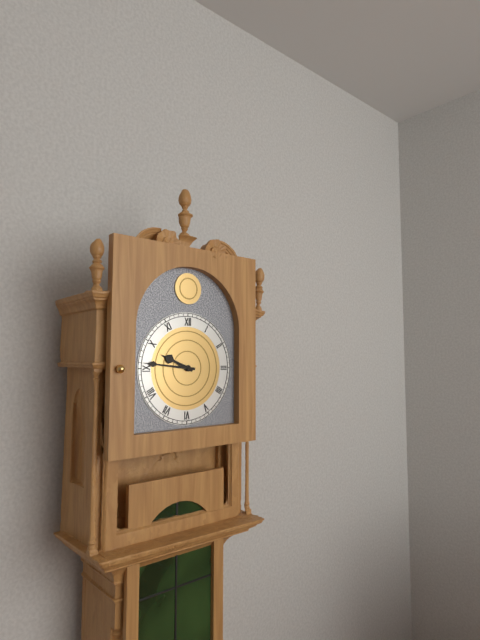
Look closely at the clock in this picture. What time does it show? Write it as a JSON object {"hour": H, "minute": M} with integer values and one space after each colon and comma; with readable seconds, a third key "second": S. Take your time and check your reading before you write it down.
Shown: {"hour": 9, "minute": 46}
